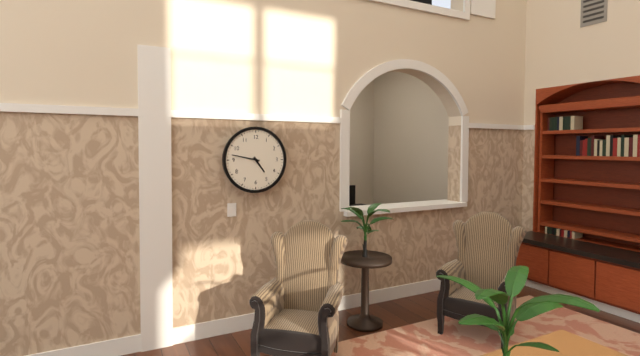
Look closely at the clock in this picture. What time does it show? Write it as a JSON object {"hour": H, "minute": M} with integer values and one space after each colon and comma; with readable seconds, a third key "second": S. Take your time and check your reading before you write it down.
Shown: {"hour": 4, "minute": 47}
